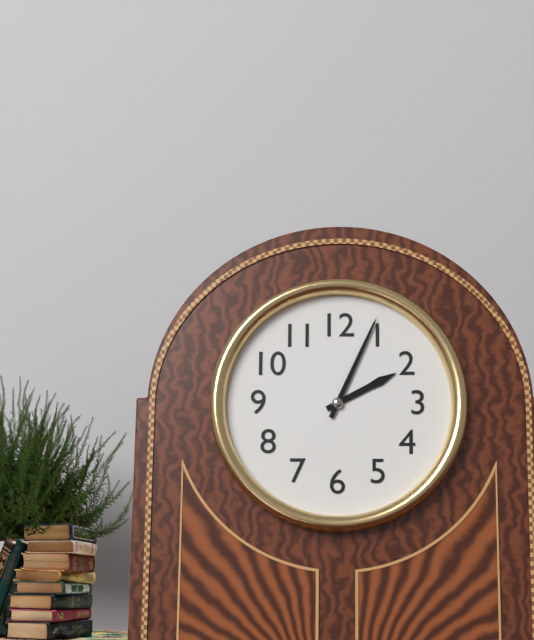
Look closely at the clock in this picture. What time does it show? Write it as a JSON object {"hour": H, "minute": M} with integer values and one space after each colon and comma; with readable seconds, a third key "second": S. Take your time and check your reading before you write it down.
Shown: {"hour": 2, "minute": 4}
